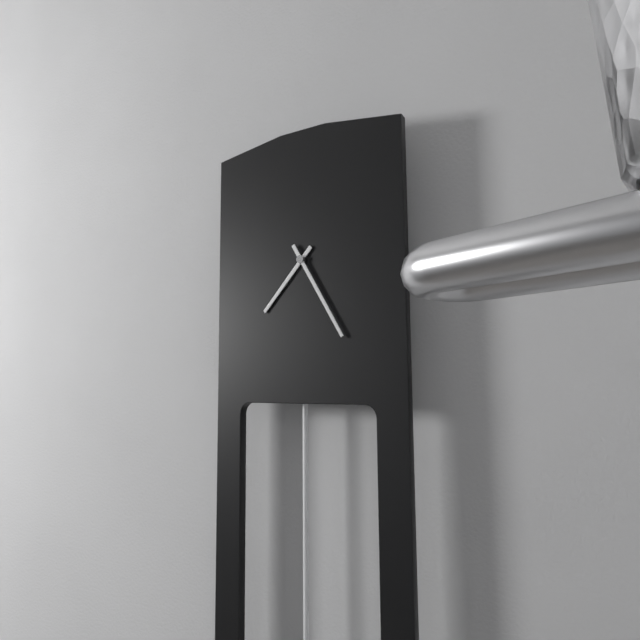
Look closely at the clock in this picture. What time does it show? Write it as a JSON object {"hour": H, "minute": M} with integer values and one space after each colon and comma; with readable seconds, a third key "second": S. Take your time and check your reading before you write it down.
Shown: {"hour": 7, "minute": 25}
